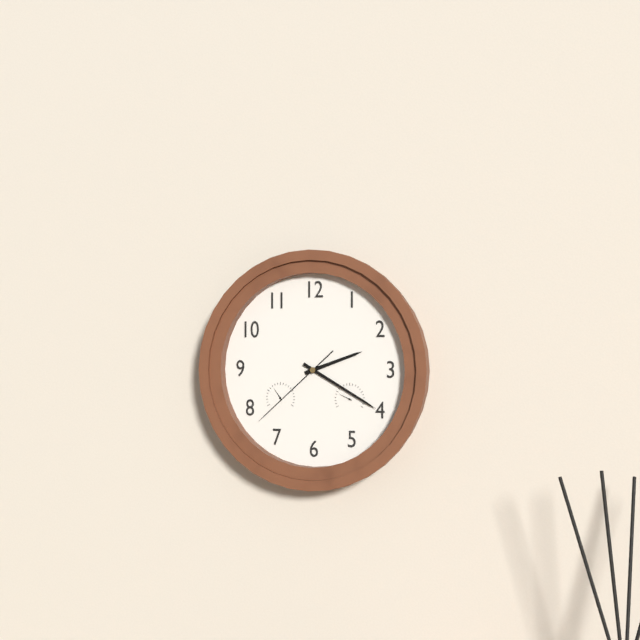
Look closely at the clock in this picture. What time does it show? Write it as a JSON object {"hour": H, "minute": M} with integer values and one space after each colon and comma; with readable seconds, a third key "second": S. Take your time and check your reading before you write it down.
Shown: {"hour": 2, "minute": 20, "second": 38}
